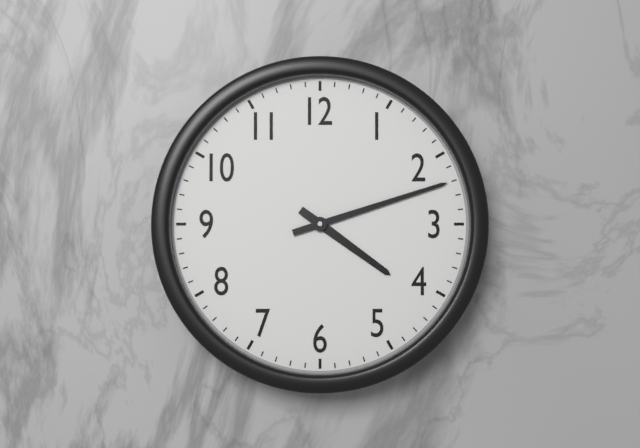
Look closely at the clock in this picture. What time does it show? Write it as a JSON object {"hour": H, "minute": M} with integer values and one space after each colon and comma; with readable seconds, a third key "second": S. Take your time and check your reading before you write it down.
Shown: {"hour": 4, "minute": 12}
